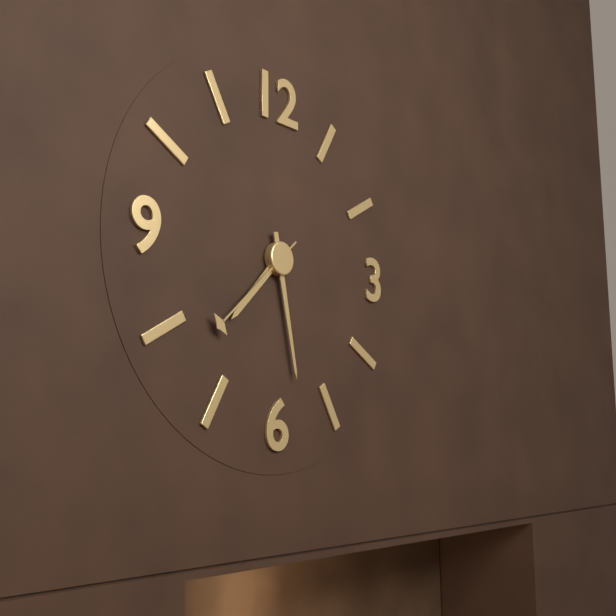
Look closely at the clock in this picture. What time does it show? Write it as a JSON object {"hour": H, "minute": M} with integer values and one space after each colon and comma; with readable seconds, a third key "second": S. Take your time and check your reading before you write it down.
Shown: {"hour": 7, "minute": 28, "second": 38}
